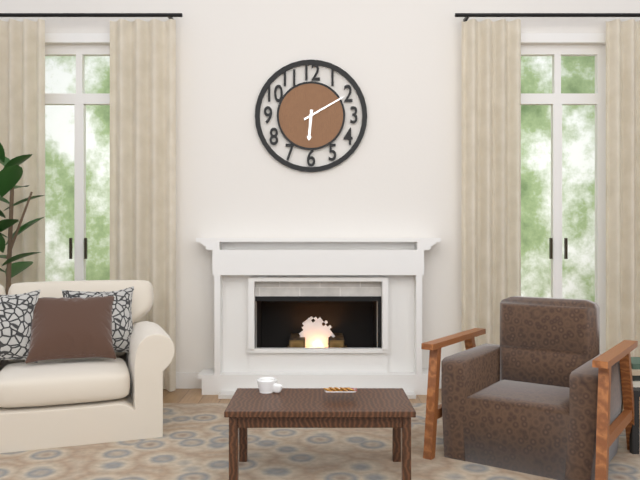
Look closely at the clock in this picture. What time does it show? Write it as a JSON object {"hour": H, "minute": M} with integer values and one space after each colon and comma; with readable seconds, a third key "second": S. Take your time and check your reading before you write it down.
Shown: {"hour": 6, "minute": 10}
